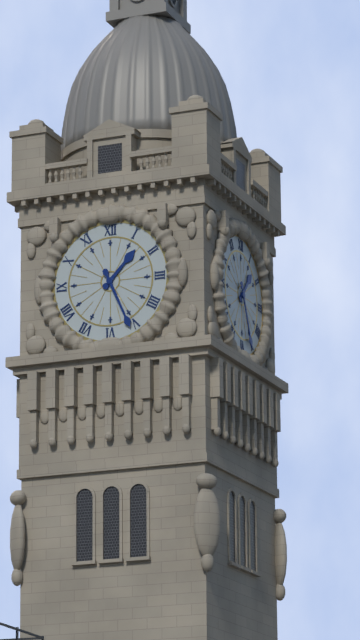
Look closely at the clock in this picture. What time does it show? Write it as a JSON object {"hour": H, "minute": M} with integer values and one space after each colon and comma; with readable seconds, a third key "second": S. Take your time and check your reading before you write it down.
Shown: {"hour": 1, "minute": 26}
